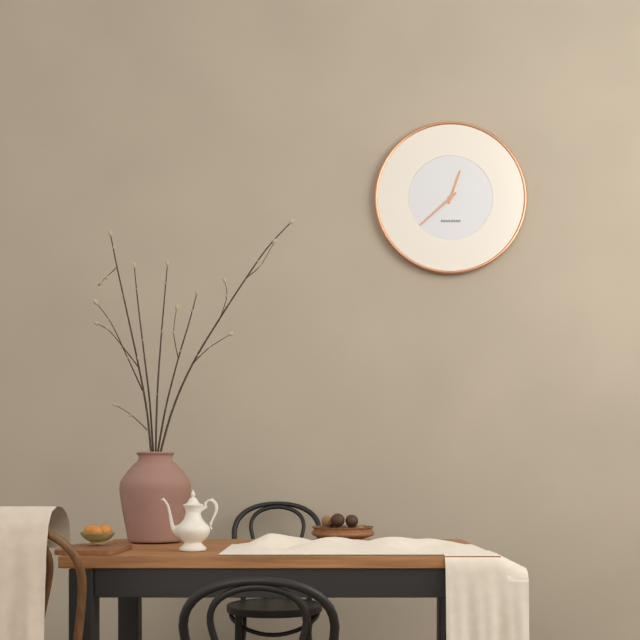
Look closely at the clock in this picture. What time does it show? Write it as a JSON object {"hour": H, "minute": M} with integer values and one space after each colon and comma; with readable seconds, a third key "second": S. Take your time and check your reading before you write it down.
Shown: {"hour": 12, "minute": 38}
